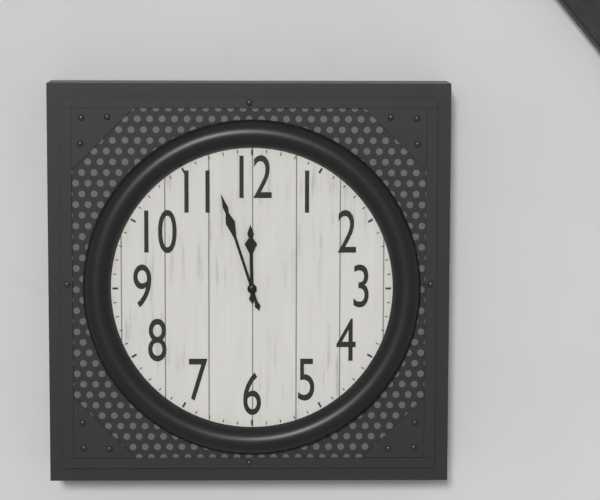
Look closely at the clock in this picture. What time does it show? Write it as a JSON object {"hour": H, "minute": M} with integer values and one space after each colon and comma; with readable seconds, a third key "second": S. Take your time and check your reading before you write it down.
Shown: {"hour": 11, "minute": 57}
